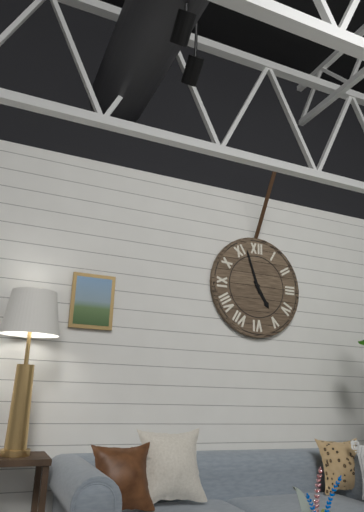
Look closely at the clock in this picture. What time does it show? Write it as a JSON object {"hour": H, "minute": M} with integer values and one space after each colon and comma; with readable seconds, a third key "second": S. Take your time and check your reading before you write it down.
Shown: {"hour": 4, "minute": 57}
